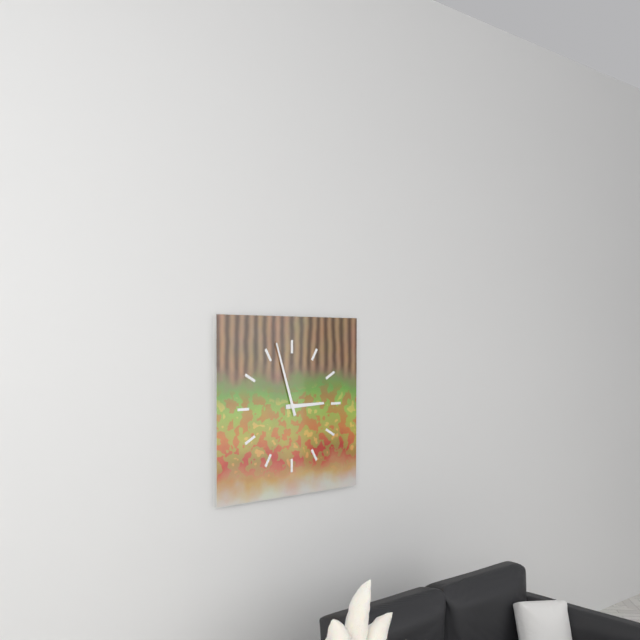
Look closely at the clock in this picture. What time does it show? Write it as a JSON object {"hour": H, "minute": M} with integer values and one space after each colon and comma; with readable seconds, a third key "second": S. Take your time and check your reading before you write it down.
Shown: {"hour": 2, "minute": 57}
